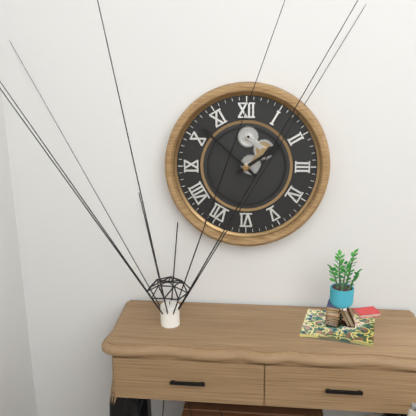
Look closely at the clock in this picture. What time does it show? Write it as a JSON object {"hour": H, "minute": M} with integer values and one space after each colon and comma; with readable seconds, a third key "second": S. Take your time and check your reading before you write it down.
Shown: {"hour": 1, "minute": 52}
